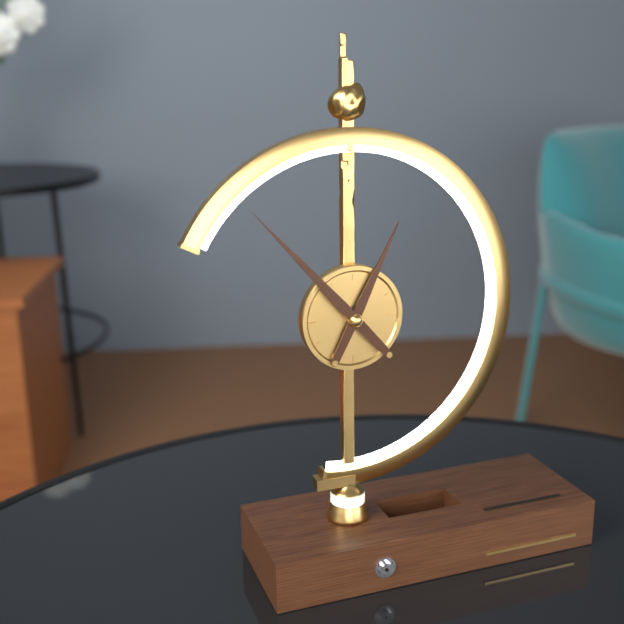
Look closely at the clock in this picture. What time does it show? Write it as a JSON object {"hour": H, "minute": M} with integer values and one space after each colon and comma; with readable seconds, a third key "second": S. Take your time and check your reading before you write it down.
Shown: {"hour": 12, "minute": 53}
